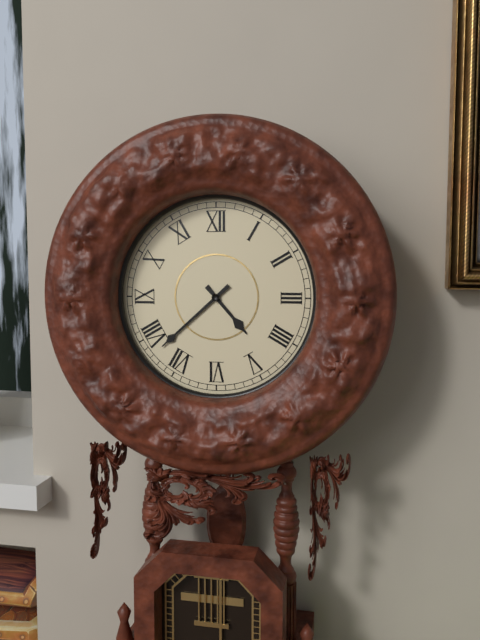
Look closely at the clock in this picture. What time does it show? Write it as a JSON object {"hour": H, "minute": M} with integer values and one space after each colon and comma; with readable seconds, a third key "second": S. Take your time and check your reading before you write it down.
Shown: {"hour": 4, "minute": 38}
